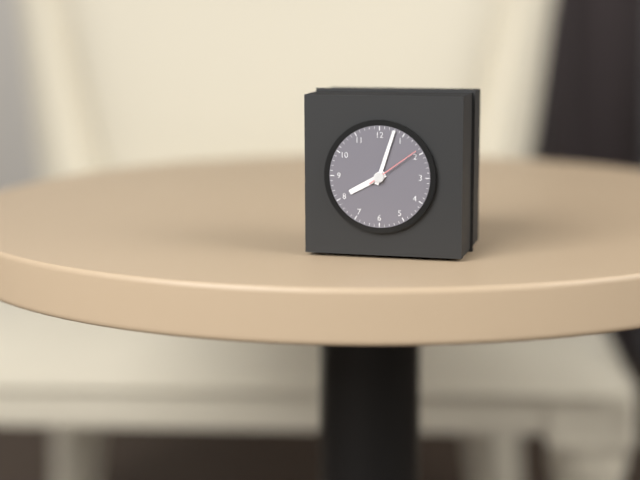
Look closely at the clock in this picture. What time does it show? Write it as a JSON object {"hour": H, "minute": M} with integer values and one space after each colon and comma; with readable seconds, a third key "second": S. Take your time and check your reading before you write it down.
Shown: {"hour": 8, "minute": 3, "second": 9}
